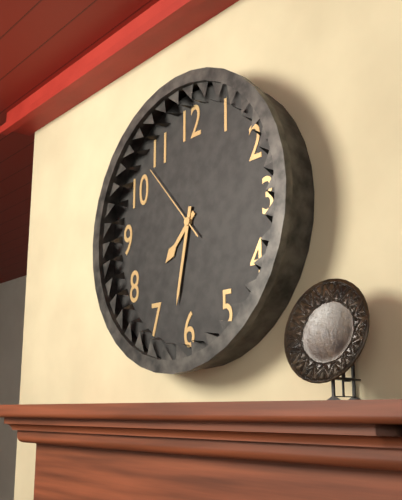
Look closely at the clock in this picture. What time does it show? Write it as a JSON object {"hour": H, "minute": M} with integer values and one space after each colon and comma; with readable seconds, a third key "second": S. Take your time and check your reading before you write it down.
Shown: {"hour": 7, "minute": 32, "second": 53}
